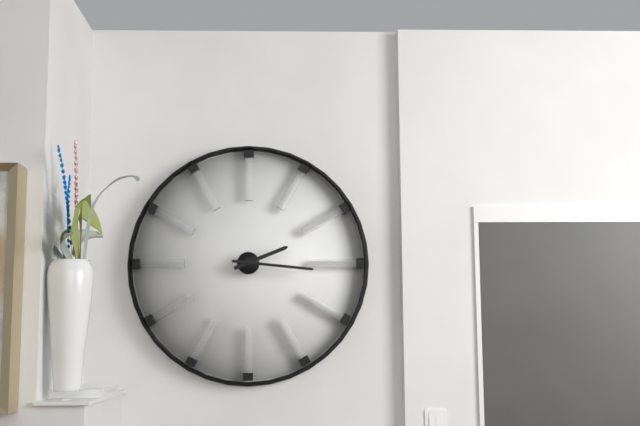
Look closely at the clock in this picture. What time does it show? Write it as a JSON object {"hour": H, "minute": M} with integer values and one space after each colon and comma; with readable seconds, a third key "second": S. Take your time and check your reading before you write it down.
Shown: {"hour": 2, "minute": 16}
